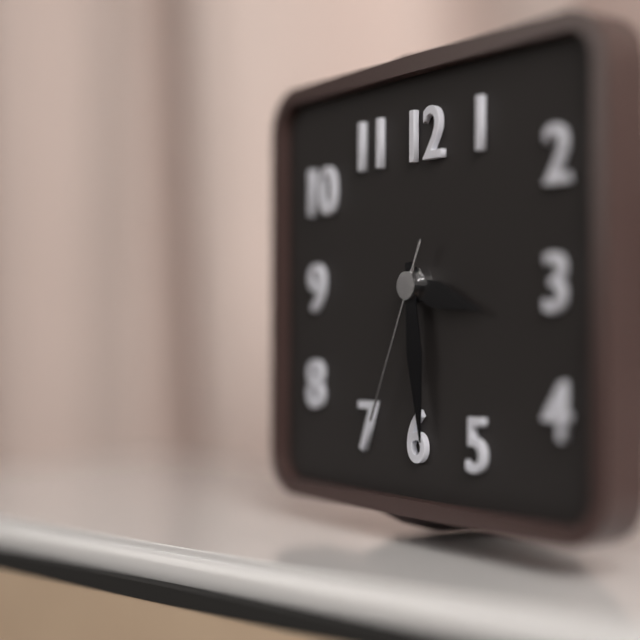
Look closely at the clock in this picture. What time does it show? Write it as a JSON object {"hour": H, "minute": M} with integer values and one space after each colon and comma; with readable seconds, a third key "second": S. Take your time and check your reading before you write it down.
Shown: {"hour": 3, "minute": 29, "second": 34}
